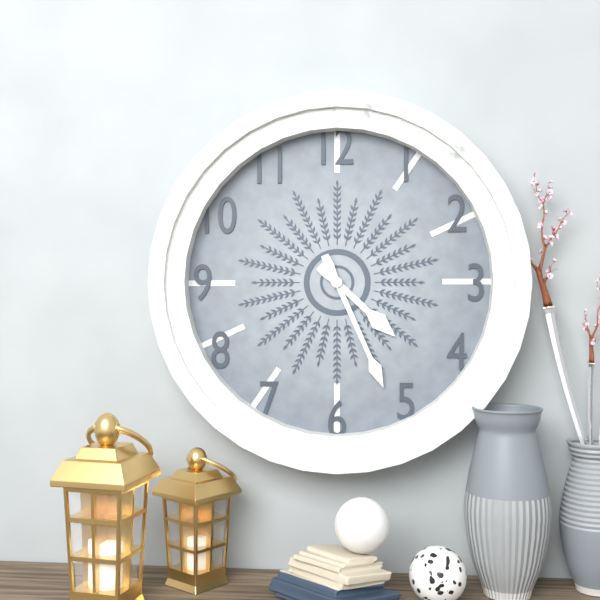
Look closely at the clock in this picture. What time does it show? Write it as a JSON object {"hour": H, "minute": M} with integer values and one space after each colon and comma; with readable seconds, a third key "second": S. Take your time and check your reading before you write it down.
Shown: {"hour": 4, "minute": 26}
